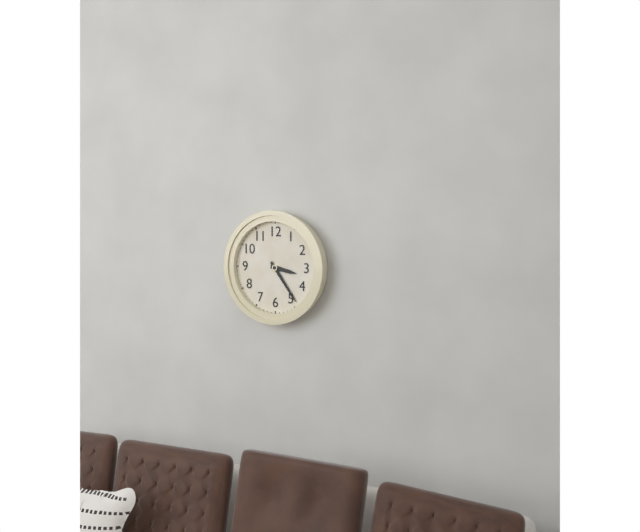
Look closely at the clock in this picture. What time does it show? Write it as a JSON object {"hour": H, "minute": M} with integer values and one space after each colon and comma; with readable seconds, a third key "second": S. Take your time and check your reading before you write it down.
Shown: {"hour": 3, "minute": 24}
